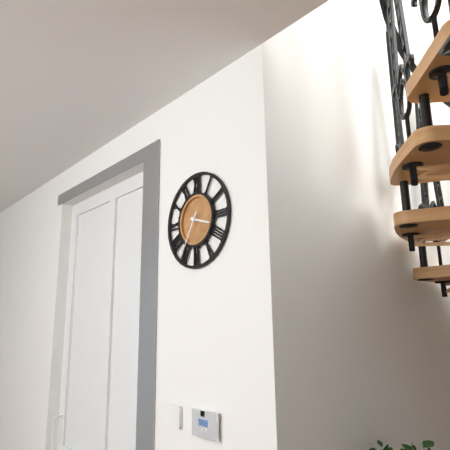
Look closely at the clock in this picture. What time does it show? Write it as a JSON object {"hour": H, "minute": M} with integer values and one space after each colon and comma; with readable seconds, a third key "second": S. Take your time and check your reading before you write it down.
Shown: {"hour": 3, "minute": 35}
